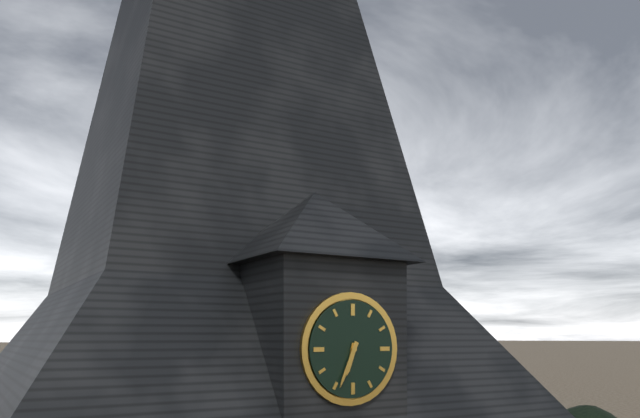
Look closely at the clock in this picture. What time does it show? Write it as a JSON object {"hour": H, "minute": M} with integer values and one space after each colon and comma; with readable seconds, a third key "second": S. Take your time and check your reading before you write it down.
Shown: {"hour": 6, "minute": 34}
